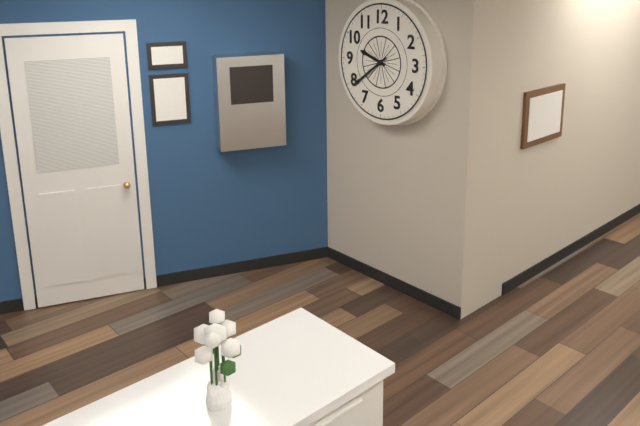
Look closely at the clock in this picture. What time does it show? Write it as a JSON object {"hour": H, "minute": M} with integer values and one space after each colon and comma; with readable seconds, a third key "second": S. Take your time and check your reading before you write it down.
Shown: {"hour": 9, "minute": 39}
